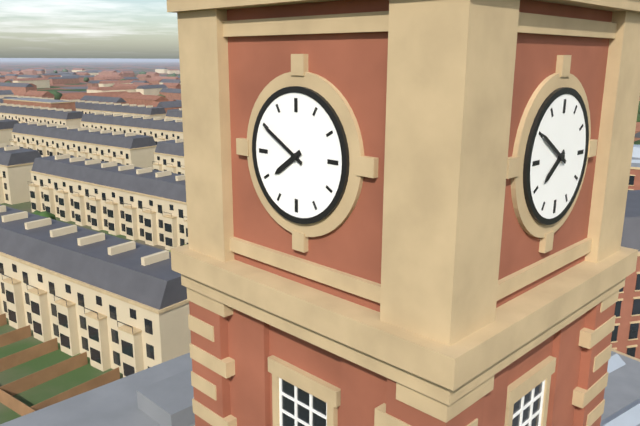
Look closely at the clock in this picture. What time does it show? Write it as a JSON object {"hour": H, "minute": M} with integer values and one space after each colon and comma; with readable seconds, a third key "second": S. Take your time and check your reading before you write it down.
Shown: {"hour": 7, "minute": 50}
